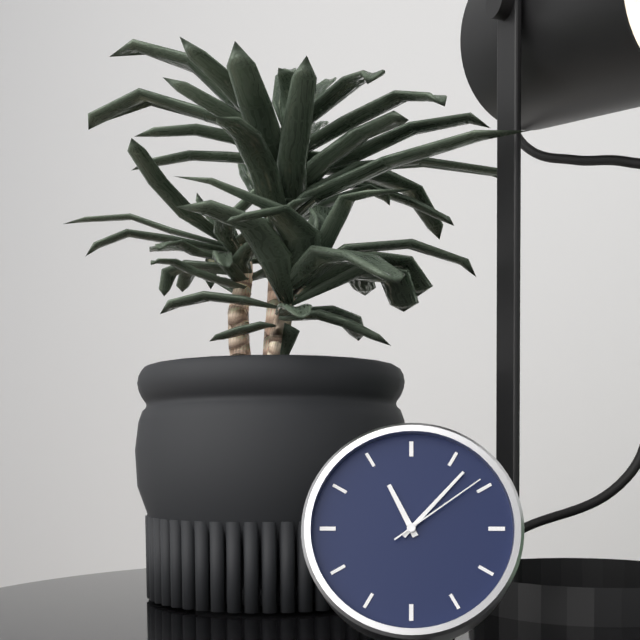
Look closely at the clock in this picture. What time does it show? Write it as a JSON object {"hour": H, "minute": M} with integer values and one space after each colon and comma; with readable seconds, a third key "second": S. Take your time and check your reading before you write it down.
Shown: {"hour": 11, "minute": 7, "second": 9}
